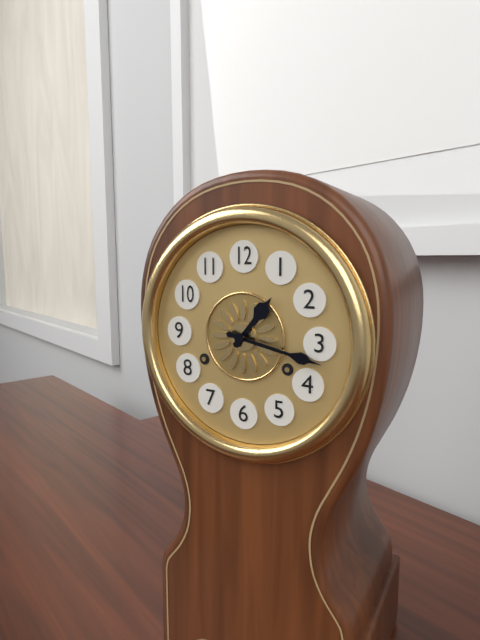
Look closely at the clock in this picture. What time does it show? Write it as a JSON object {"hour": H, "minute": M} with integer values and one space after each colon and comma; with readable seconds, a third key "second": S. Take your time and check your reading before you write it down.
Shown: {"hour": 1, "minute": 17}
